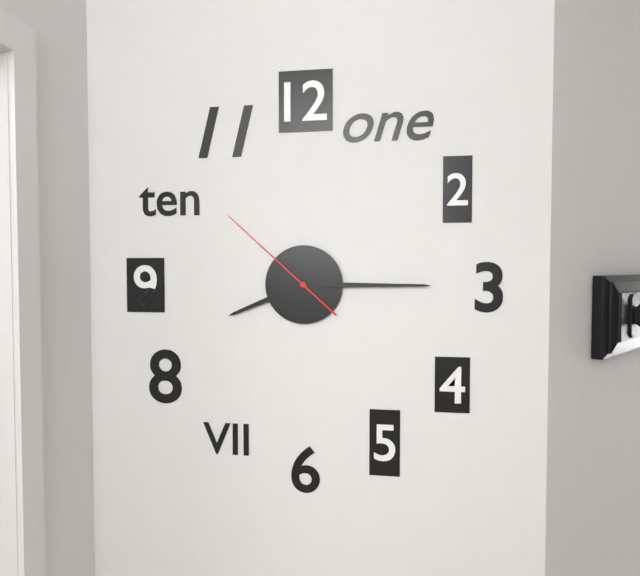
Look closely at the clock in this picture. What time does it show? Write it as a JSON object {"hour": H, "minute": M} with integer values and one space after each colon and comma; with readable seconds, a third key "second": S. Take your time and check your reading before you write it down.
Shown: {"hour": 8, "minute": 15, "second": 52}
